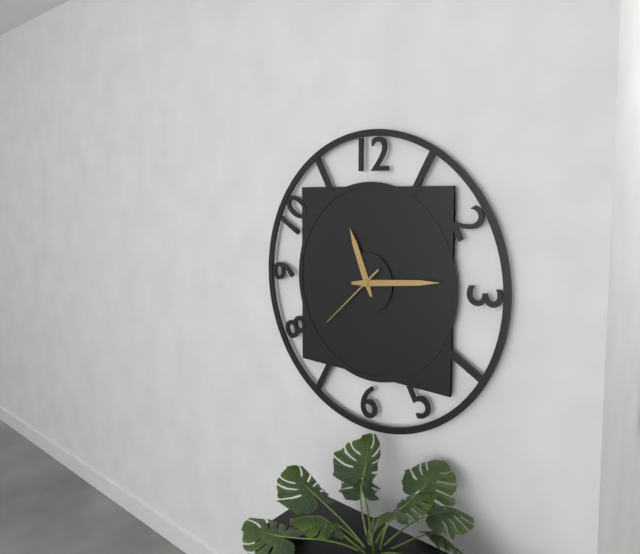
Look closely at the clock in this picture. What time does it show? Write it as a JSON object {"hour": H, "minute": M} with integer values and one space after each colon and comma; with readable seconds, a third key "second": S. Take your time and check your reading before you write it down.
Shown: {"hour": 11, "minute": 14, "second": 38}
